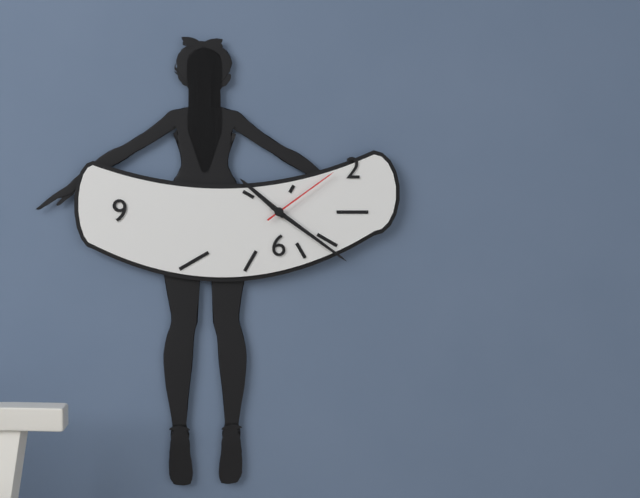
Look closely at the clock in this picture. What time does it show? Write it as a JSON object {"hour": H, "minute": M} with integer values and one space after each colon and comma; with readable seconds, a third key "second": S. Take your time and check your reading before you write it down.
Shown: {"hour": 10, "minute": 21, "second": 9}
